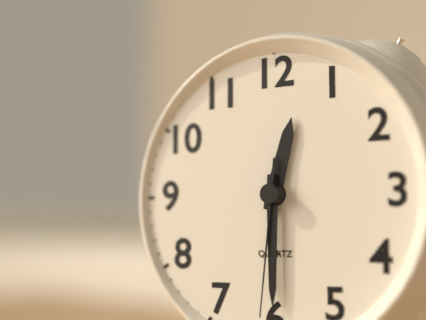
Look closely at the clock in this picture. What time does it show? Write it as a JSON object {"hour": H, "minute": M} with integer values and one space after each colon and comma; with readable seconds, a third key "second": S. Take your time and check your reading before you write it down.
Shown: {"hour": 12, "minute": 30, "second": 31}
